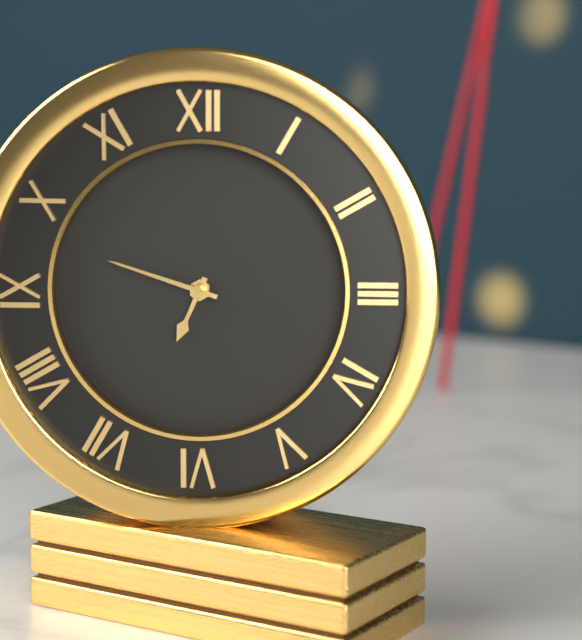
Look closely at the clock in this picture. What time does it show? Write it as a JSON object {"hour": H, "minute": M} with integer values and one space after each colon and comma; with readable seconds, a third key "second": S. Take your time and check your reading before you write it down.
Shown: {"hour": 6, "minute": 48}
